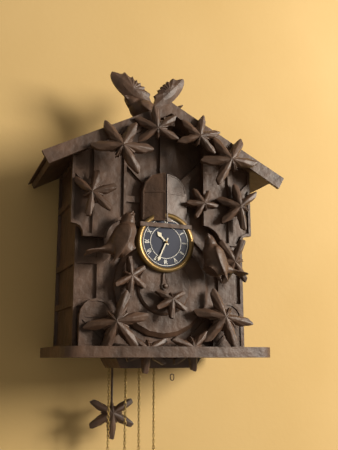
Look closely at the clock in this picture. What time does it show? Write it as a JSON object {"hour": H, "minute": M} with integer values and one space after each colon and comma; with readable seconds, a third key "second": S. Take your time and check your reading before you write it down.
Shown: {"hour": 10, "minute": 34}
